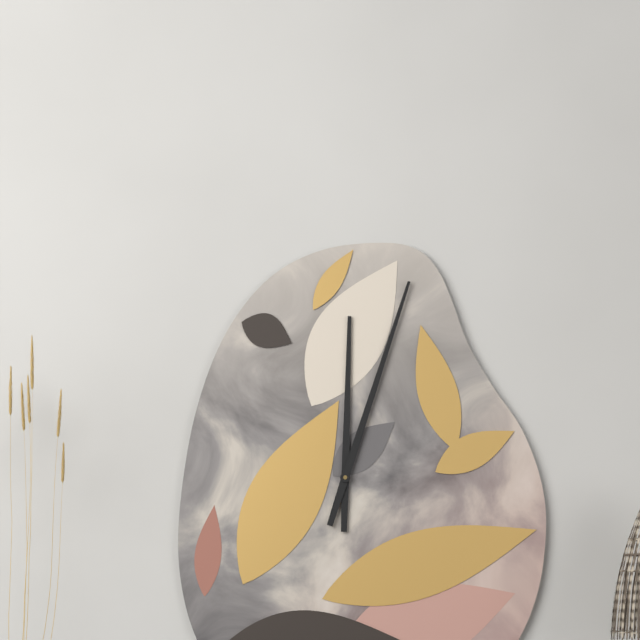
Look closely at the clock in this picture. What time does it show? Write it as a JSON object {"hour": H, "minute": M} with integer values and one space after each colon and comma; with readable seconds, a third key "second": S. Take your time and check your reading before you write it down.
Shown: {"hour": 12, "minute": 3}
